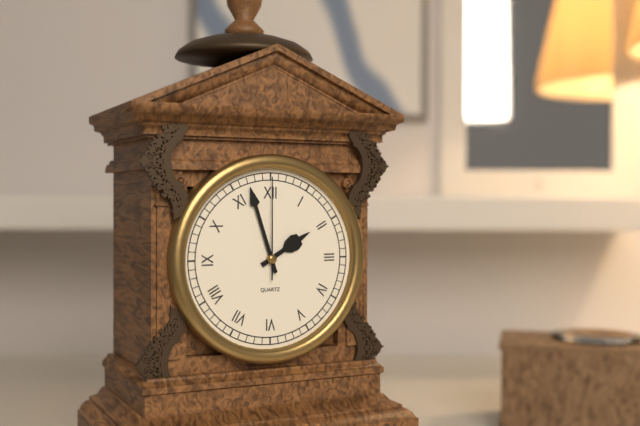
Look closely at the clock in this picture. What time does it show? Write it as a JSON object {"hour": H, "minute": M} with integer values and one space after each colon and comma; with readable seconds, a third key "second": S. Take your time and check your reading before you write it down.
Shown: {"hour": 1, "minute": 57, "second": 0}
